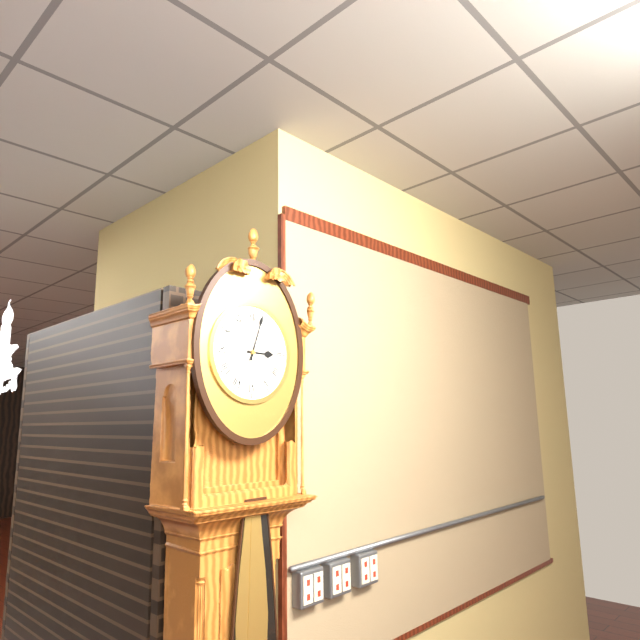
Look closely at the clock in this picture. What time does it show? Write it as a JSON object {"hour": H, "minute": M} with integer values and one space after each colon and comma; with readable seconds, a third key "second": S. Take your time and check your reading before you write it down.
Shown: {"hour": 3, "minute": 3}
